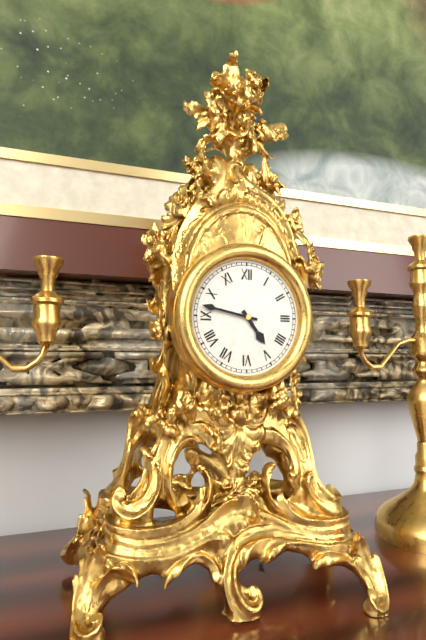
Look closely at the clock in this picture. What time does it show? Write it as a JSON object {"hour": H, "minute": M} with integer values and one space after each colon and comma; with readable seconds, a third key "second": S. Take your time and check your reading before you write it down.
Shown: {"hour": 4, "minute": 47}
